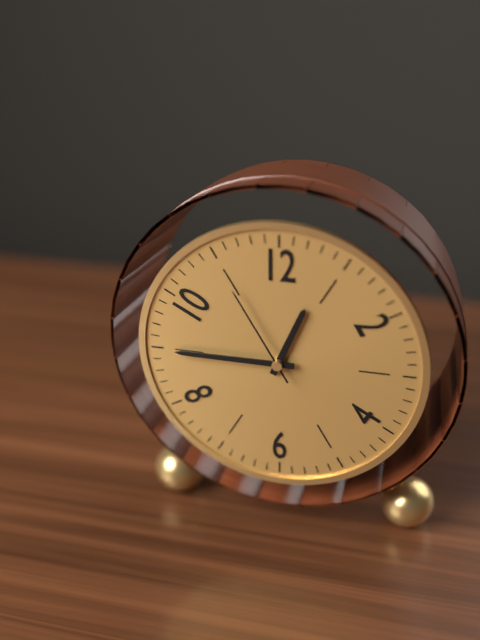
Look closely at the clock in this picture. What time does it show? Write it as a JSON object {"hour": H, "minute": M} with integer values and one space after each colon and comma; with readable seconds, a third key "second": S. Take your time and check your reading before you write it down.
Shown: {"hour": 12, "minute": 45, "second": 55}
